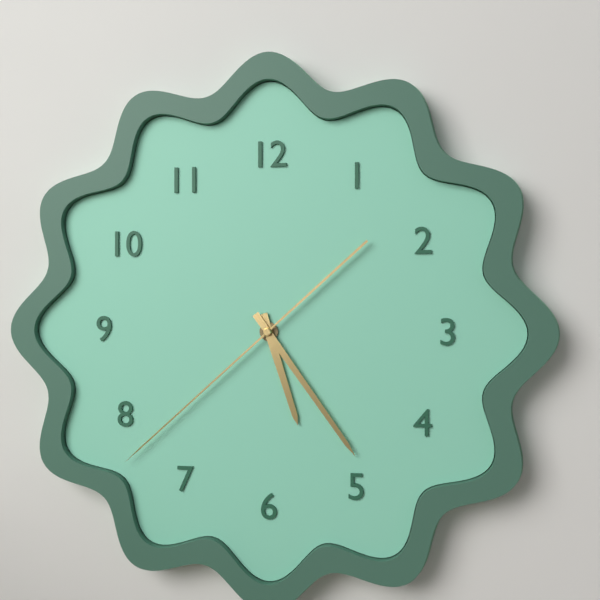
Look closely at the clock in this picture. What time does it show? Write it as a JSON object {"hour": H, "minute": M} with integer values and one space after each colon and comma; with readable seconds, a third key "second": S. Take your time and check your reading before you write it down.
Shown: {"hour": 5, "minute": 24, "second": 38}
